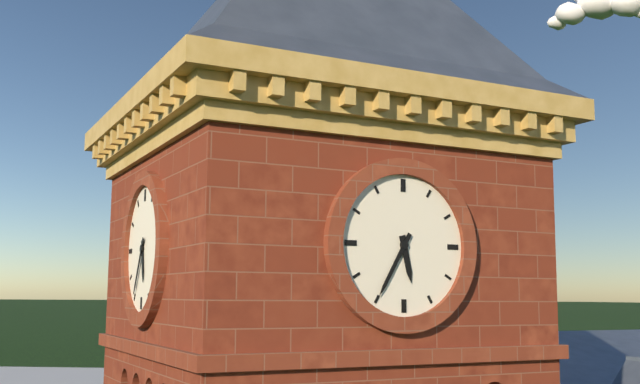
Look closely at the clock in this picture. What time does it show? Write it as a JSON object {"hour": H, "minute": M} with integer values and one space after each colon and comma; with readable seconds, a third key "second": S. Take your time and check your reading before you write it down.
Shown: {"hour": 5, "minute": 35}
